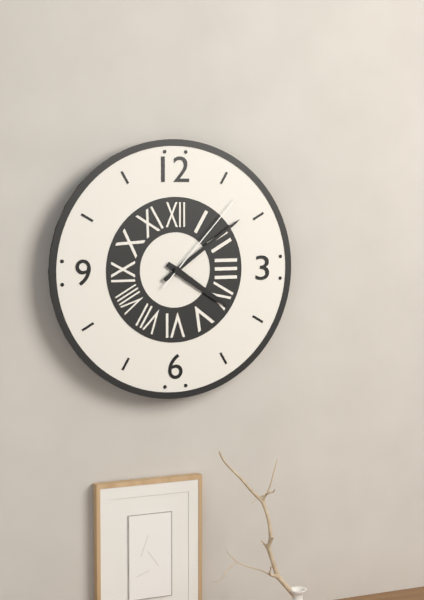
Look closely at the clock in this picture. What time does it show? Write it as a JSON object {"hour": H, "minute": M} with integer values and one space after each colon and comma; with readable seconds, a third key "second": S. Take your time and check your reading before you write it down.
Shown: {"hour": 4, "minute": 9, "second": 7}
